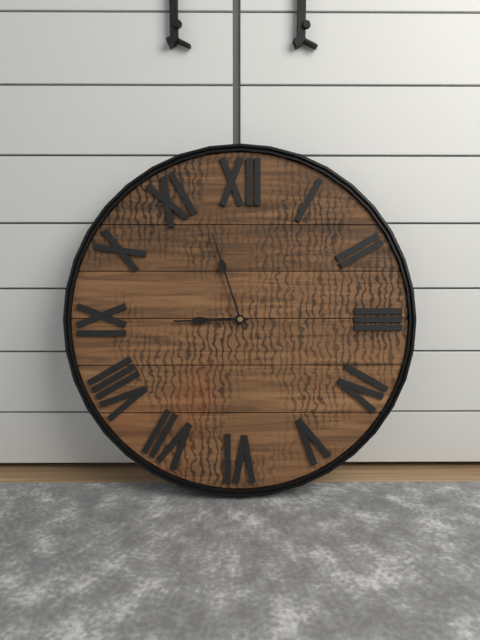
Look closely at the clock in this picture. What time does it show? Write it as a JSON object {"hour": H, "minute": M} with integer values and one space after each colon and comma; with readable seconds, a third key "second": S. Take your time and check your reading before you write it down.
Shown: {"hour": 8, "minute": 57}
